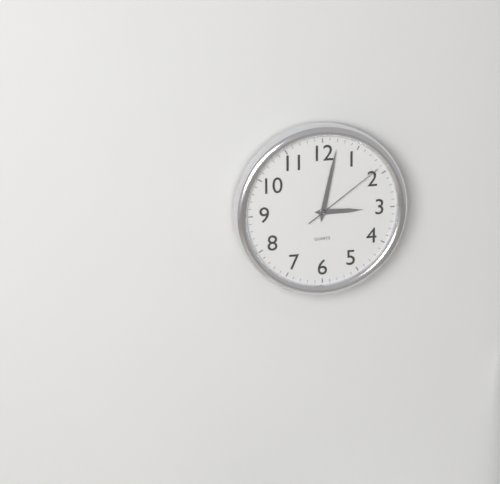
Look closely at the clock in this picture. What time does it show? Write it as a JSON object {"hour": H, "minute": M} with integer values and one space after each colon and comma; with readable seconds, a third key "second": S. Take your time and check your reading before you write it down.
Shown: {"hour": 3, "minute": 2, "second": 9}
